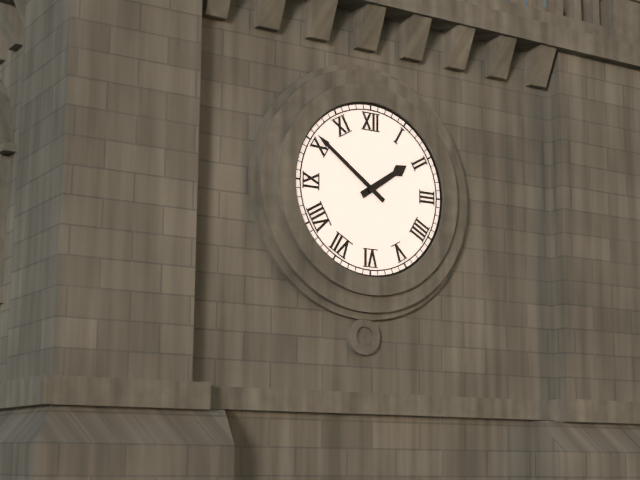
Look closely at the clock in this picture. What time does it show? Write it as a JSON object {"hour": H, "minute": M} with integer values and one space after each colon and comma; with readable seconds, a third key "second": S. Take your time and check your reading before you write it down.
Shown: {"hour": 1, "minute": 51}
